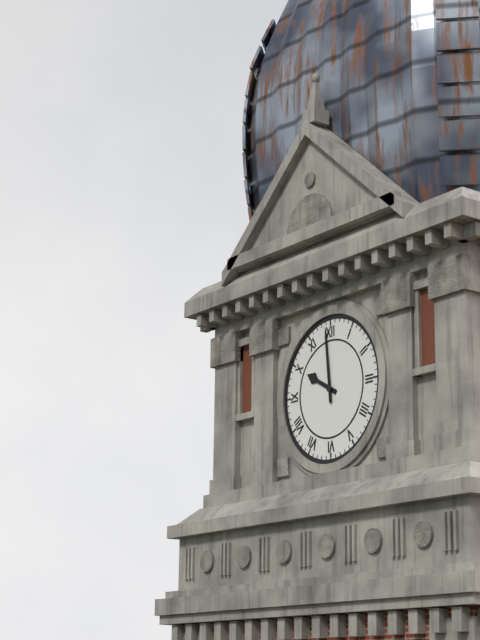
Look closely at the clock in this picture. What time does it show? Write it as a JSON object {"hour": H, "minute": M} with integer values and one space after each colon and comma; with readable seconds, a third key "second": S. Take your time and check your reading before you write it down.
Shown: {"hour": 9, "minute": 59}
